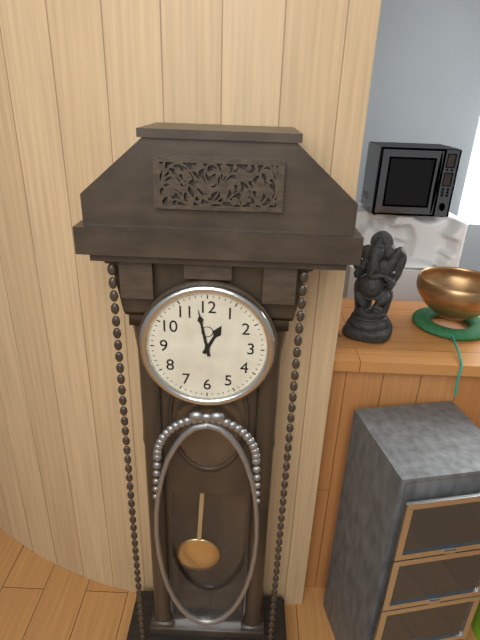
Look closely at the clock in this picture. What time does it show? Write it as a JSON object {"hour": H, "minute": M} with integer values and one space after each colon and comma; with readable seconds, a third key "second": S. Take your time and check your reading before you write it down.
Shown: {"hour": 12, "minute": 58}
